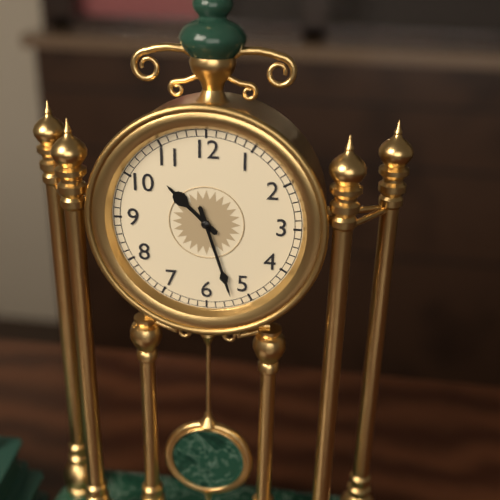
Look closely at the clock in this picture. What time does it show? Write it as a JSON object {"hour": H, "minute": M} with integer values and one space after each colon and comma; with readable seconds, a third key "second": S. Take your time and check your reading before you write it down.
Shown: {"hour": 10, "minute": 27}
